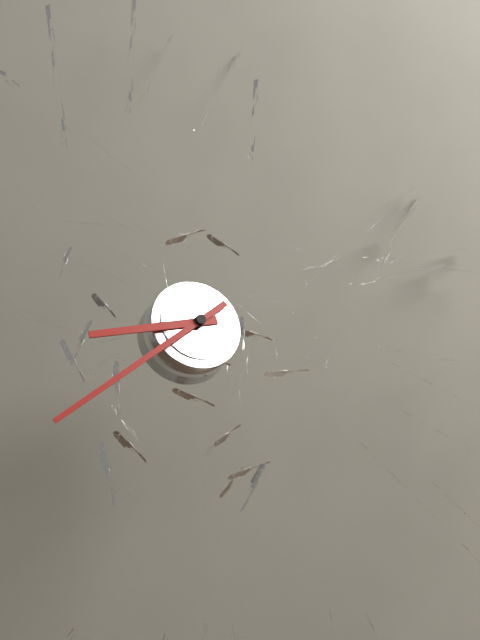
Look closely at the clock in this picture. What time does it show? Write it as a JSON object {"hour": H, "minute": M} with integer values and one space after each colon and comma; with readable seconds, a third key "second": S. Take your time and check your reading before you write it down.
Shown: {"hour": 8, "minute": 39}
